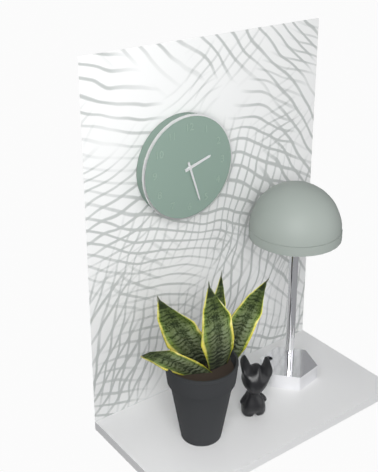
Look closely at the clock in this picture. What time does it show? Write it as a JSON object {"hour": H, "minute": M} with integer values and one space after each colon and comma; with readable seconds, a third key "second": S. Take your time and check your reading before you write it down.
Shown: {"hour": 2, "minute": 27}
